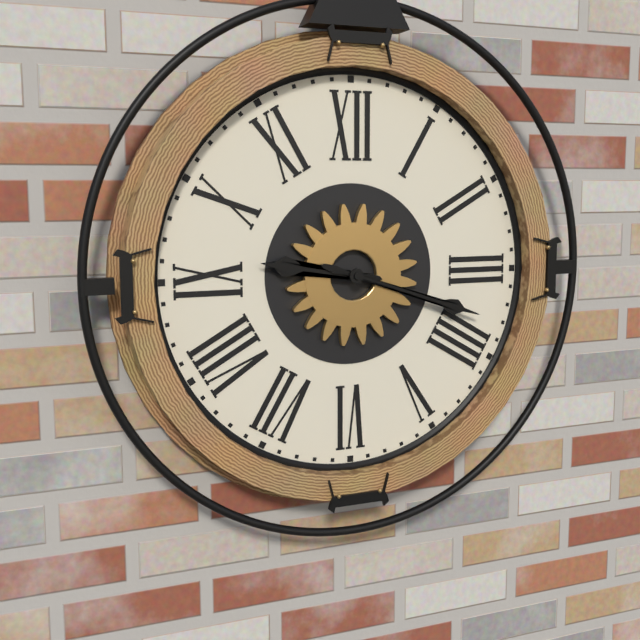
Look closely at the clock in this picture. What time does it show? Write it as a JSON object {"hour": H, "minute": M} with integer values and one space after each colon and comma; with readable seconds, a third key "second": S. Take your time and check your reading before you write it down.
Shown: {"hour": 9, "minute": 18}
